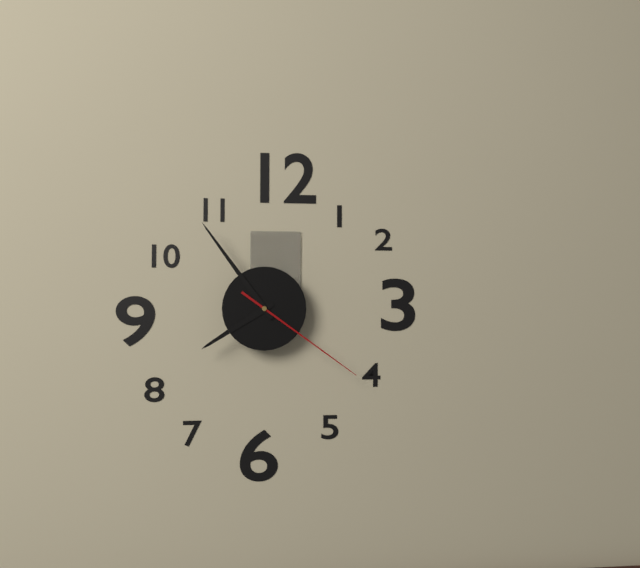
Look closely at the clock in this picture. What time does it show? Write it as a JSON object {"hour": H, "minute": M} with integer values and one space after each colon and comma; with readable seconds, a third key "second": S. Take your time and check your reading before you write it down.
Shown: {"hour": 7, "minute": 54, "second": 21}
